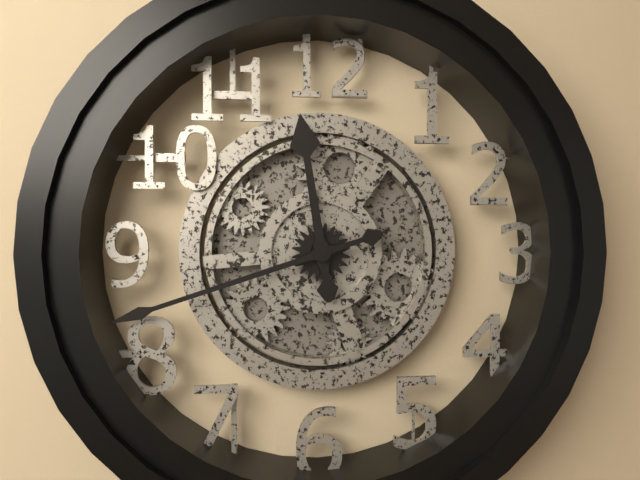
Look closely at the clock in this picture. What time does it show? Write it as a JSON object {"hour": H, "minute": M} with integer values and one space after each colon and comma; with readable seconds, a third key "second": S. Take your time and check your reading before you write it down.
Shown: {"hour": 11, "minute": 42}
